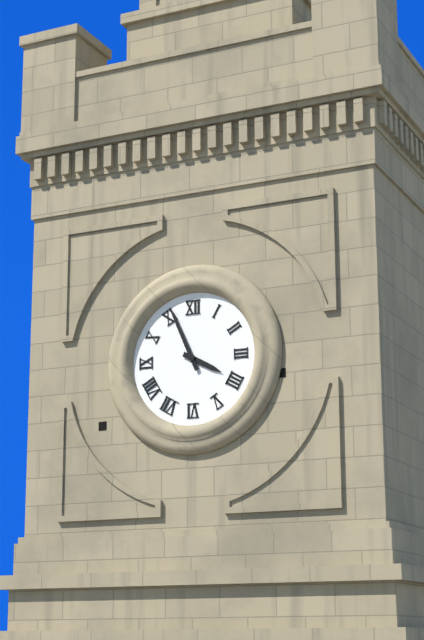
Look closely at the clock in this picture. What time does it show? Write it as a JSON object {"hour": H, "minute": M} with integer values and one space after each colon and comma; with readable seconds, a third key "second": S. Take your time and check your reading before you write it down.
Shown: {"hour": 3, "minute": 56}
